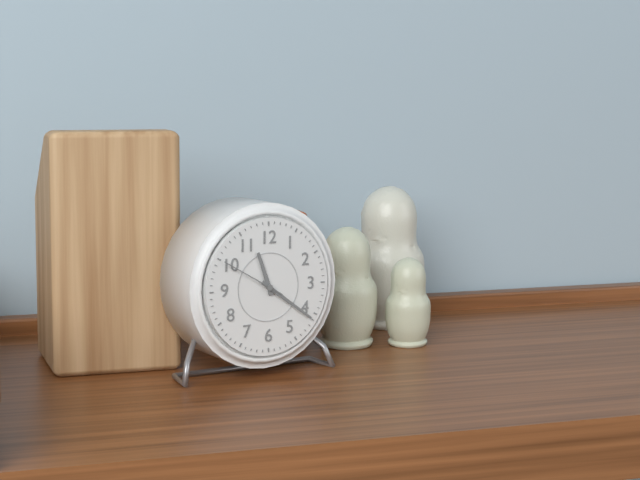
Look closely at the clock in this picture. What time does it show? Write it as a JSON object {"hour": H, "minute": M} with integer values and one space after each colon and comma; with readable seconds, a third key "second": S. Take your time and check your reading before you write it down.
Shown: {"hour": 11, "minute": 21, "second": 50}
